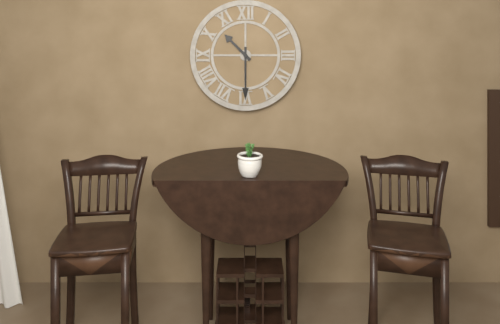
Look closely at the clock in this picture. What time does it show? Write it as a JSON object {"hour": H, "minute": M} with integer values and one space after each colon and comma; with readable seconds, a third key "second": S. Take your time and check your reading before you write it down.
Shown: {"hour": 10, "minute": 30}
